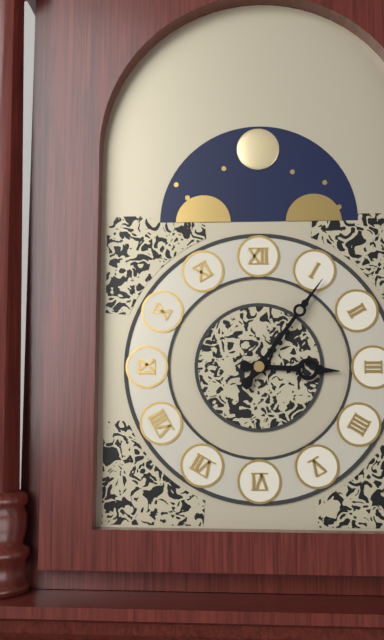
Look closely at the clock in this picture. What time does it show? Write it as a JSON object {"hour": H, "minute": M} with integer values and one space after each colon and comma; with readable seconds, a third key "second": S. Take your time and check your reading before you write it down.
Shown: {"hour": 3, "minute": 6}
